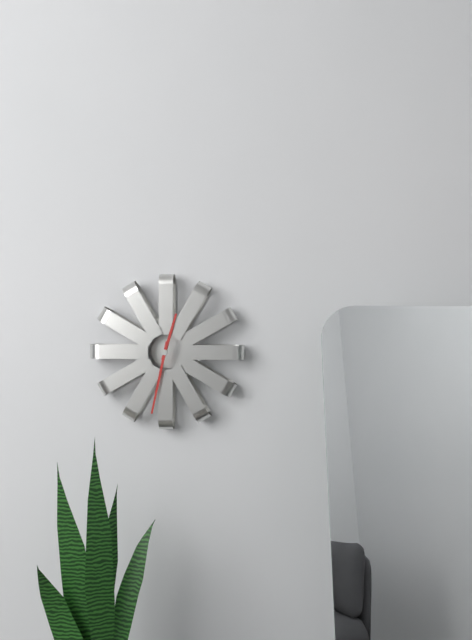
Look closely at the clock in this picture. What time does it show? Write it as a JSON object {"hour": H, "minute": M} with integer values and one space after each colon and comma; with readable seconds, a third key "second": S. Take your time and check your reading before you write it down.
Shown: {"hour": 12, "minute": 32}
